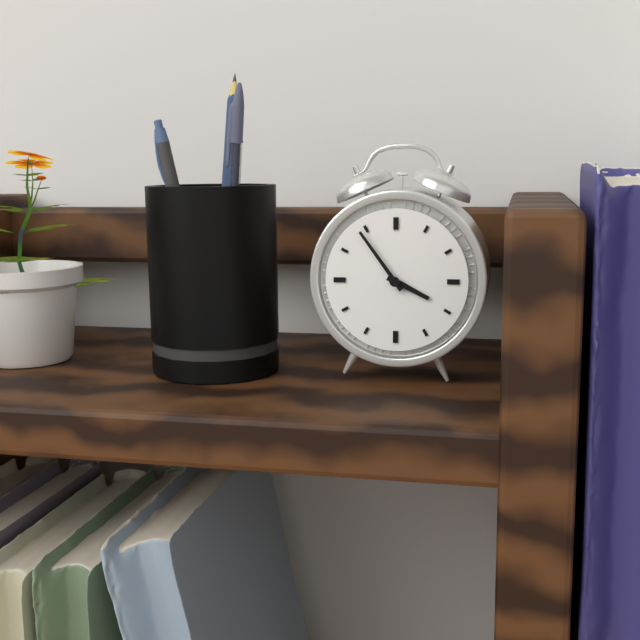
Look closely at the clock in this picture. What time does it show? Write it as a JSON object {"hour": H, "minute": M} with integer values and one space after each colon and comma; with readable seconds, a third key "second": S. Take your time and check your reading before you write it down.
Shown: {"hour": 3, "minute": 54}
